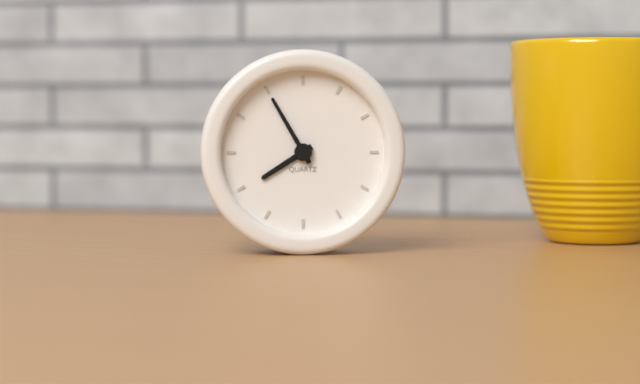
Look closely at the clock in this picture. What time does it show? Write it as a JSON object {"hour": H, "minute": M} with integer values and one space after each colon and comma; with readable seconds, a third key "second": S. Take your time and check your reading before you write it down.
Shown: {"hour": 7, "minute": 55}
